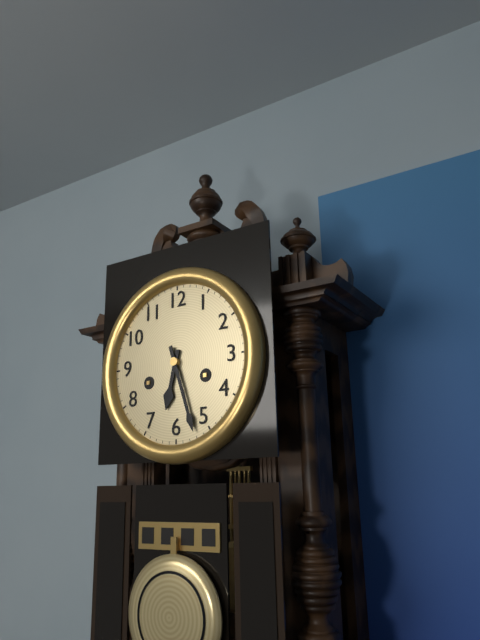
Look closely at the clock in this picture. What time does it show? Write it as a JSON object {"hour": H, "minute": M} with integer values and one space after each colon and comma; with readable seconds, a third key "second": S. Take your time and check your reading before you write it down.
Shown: {"hour": 6, "minute": 27}
